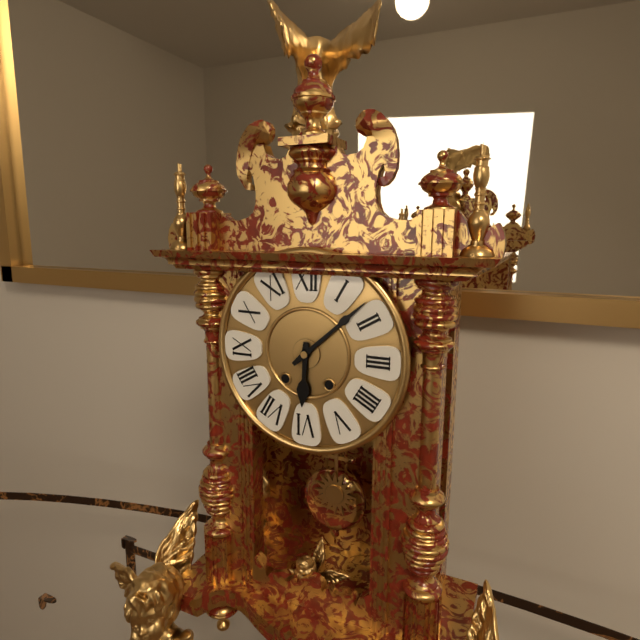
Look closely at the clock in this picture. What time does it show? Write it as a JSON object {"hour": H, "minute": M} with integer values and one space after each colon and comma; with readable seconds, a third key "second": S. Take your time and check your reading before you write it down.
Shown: {"hour": 6, "minute": 8}
